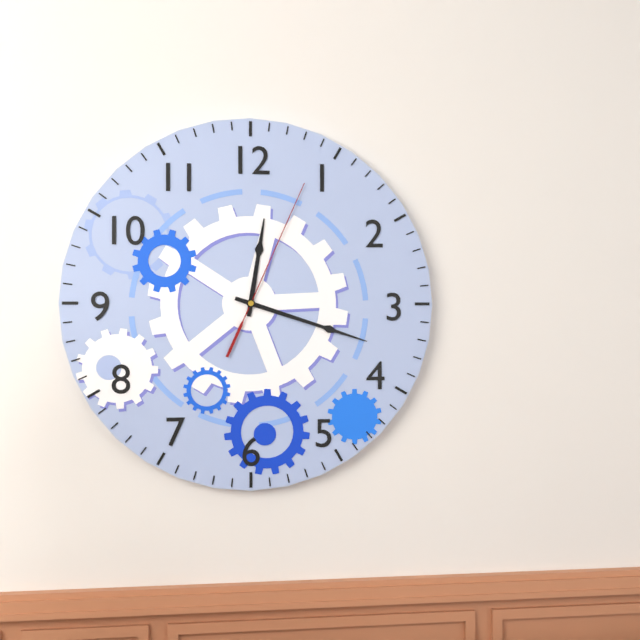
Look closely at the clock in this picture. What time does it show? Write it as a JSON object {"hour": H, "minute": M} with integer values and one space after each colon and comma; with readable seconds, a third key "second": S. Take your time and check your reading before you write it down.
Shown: {"hour": 12, "minute": 18, "second": 4}
